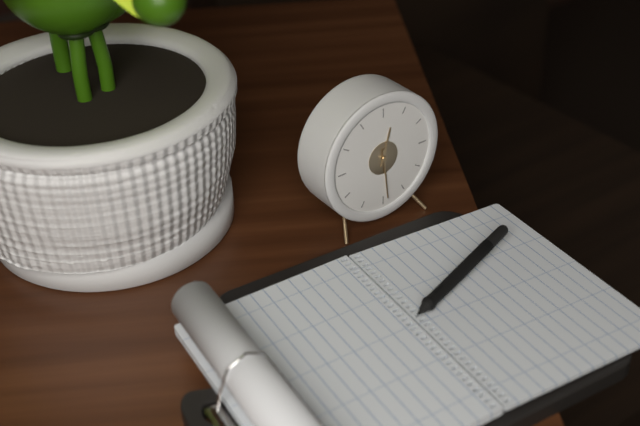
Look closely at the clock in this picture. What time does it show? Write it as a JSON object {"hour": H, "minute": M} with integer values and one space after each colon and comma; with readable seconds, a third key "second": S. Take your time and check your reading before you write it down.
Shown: {"hour": 12, "minute": 29}
